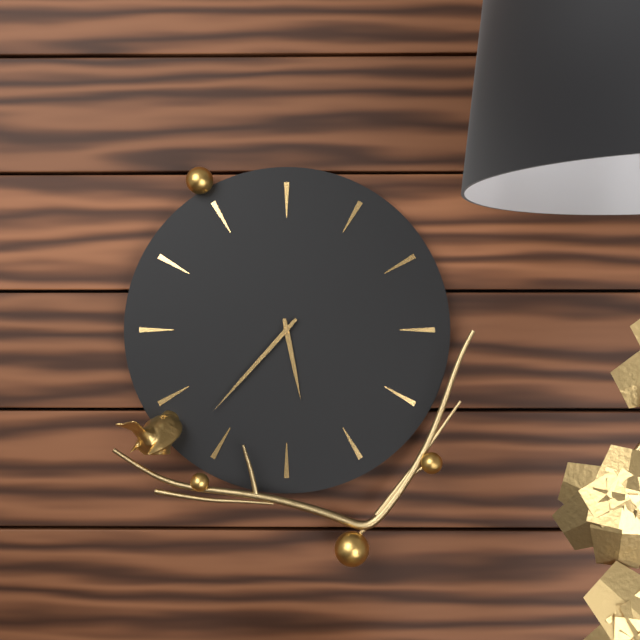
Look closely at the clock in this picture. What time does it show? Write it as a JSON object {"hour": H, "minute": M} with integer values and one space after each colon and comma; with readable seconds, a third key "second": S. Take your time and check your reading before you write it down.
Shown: {"hour": 5, "minute": 37}
